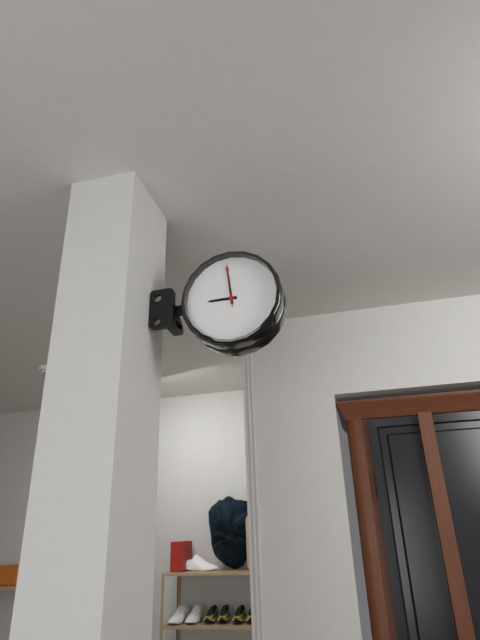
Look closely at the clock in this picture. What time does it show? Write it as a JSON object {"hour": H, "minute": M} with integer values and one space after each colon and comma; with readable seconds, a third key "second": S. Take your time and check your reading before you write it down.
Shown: {"hour": 8, "minute": 59}
